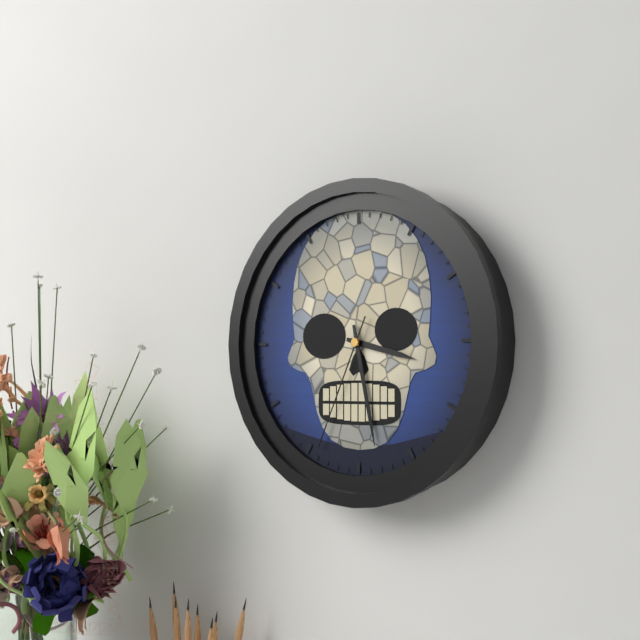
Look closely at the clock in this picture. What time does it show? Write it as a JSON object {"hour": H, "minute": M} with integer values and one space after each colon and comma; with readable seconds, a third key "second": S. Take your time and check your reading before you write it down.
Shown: {"hour": 3, "minute": 28, "second": 34}
